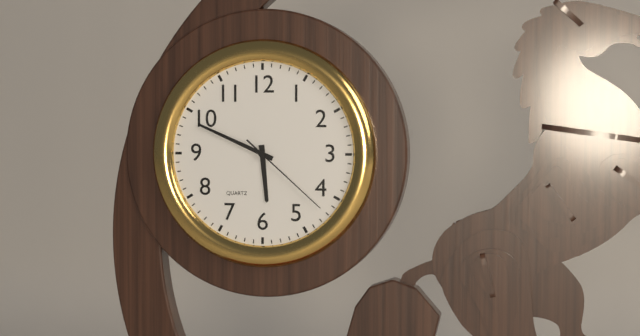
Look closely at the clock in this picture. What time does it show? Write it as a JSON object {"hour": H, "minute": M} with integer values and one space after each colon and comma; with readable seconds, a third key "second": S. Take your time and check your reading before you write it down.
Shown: {"hour": 5, "minute": 49, "second": 22}
